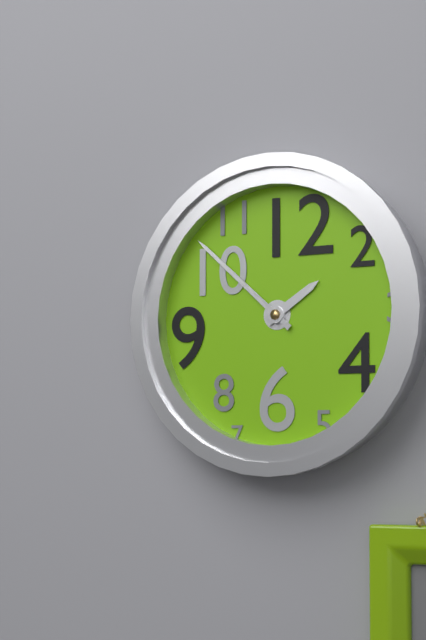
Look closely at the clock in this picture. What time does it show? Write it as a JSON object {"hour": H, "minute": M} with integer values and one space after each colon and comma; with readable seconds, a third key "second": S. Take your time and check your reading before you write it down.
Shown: {"hour": 1, "minute": 52}
